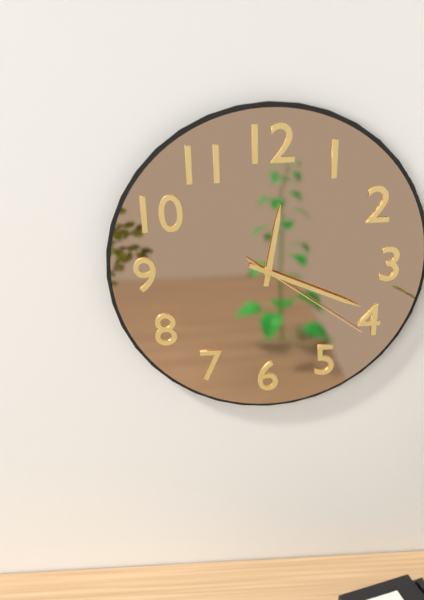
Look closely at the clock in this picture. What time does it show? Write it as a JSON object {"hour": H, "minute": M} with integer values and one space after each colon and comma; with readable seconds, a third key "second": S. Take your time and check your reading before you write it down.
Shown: {"hour": 12, "minute": 19, "second": 21}
